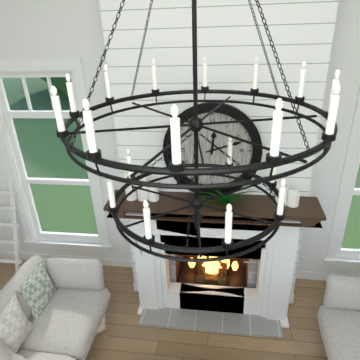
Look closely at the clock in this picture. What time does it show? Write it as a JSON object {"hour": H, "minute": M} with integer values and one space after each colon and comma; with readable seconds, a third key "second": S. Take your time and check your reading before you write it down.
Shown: {"hour": 12, "minute": 12}
